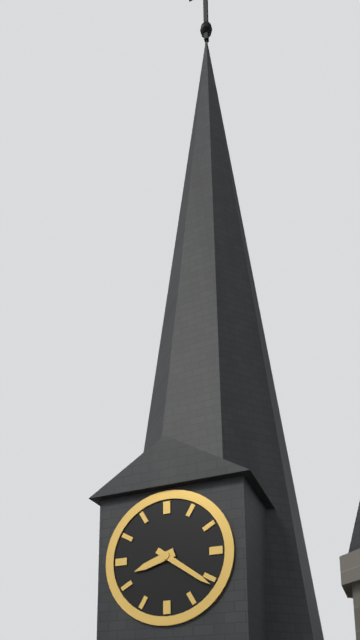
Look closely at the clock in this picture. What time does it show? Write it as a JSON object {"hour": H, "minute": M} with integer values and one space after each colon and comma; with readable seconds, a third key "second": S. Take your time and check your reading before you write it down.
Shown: {"hour": 8, "minute": 21}
